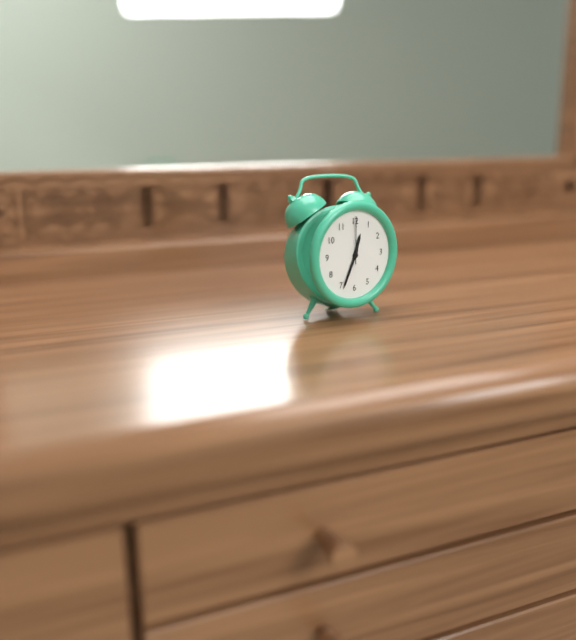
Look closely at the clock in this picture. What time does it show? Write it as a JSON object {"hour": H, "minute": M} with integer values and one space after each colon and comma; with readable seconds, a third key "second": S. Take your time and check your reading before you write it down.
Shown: {"hour": 12, "minute": 34}
